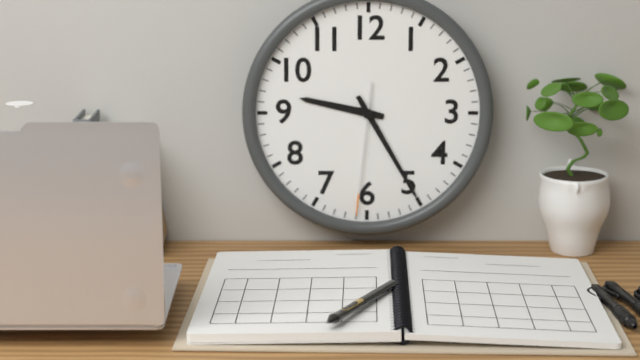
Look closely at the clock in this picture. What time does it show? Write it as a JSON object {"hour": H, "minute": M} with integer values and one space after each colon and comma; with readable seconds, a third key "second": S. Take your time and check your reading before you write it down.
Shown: {"hour": 9, "minute": 25, "second": 31}
